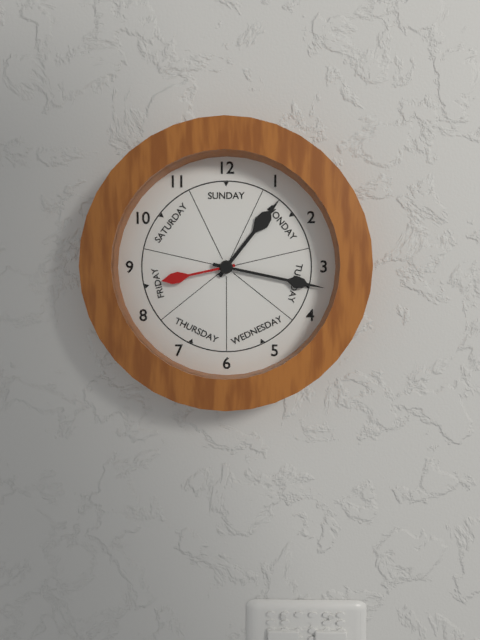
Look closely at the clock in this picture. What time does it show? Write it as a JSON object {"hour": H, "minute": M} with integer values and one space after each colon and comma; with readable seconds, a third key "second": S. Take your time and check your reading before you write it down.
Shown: {"hour": 1, "minute": 17, "second": 43}
